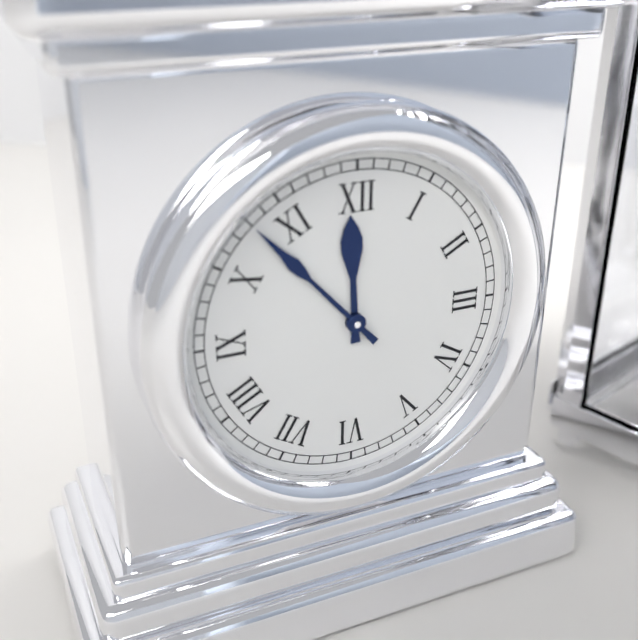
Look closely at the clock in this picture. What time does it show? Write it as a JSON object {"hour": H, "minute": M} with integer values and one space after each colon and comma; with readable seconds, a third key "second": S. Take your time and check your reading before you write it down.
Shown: {"hour": 11, "minute": 53}
